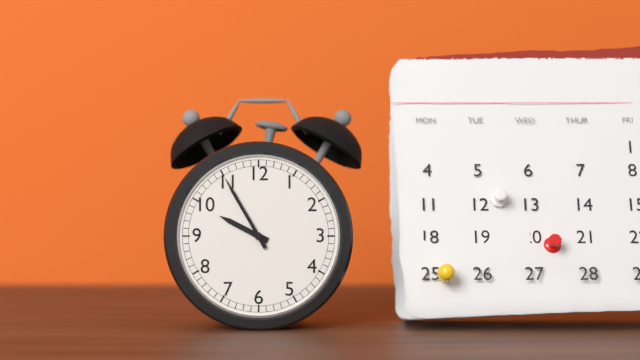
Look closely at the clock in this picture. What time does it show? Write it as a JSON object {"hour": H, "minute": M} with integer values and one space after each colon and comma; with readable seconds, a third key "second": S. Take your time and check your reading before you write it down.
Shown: {"hour": 9, "minute": 55}
